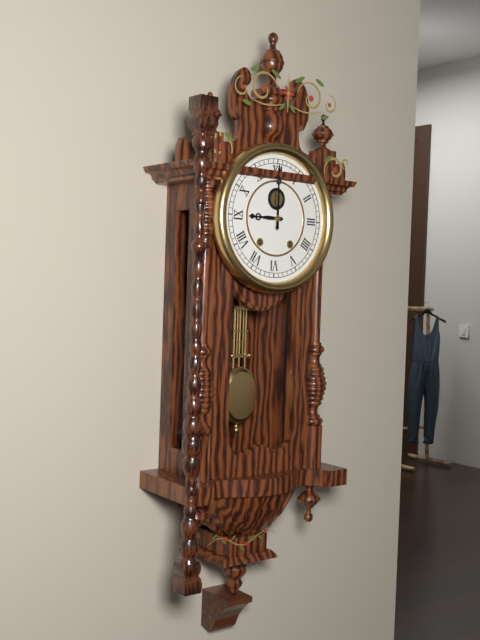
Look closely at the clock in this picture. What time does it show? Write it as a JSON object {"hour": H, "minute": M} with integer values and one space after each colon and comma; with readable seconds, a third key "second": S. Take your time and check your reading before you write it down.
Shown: {"hour": 9, "minute": 0}
